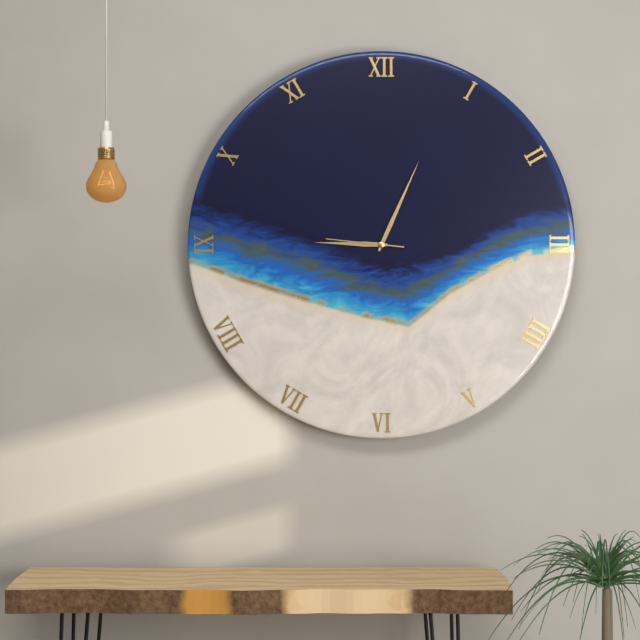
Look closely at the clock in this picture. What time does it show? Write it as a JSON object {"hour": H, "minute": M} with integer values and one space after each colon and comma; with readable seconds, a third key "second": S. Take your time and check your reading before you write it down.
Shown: {"hour": 9, "minute": 4, "second": 46}
